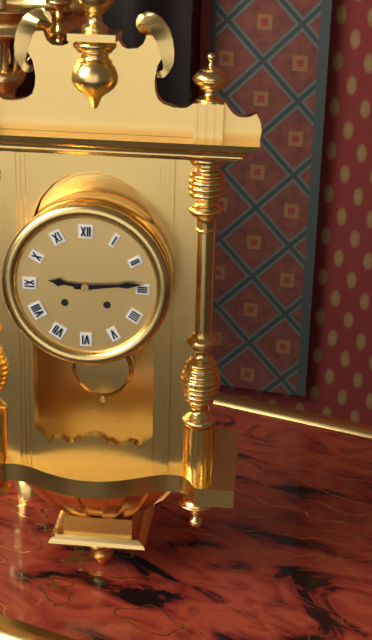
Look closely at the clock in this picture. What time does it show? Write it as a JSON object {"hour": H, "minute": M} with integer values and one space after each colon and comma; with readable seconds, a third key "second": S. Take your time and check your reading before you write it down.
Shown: {"hour": 9, "minute": 14}
